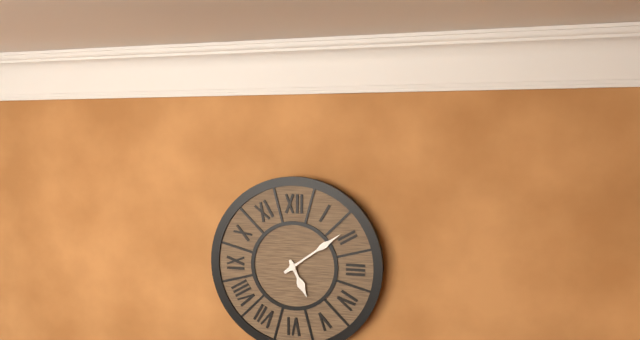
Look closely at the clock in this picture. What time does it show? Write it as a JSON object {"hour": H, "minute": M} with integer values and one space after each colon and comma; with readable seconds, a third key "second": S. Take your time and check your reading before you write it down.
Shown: {"hour": 5, "minute": 9}
